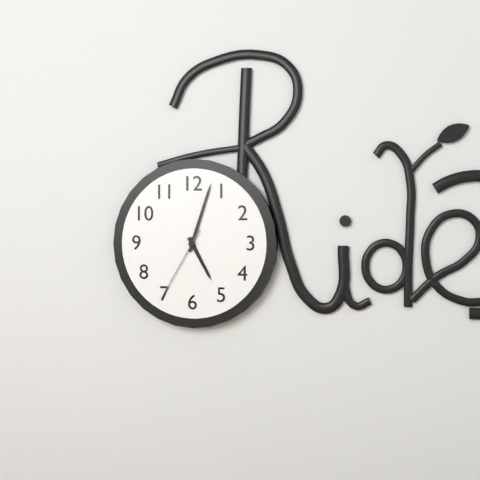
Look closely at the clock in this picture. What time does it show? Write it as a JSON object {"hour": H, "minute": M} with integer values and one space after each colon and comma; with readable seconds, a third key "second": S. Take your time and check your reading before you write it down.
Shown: {"hour": 5, "minute": 3, "second": 35}
